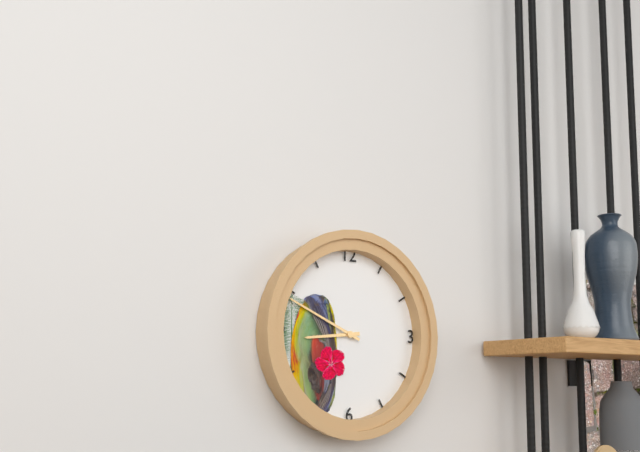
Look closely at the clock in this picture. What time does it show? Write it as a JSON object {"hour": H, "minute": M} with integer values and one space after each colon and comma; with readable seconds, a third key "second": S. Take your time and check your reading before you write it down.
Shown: {"hour": 8, "minute": 49}
